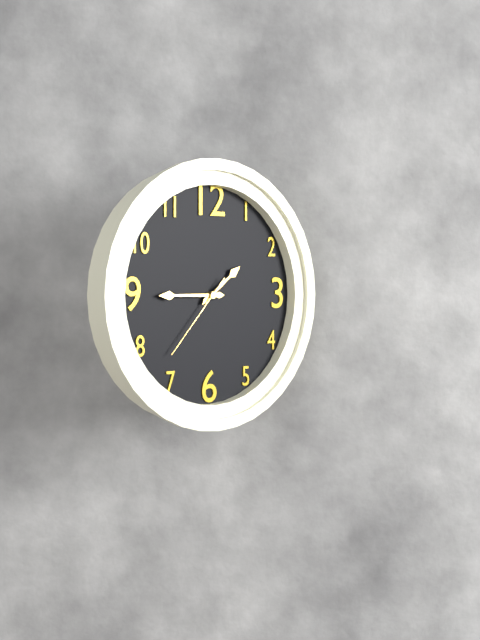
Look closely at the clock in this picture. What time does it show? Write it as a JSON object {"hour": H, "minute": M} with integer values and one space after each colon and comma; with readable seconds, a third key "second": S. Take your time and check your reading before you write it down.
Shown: {"hour": 1, "minute": 45, "second": 37}
